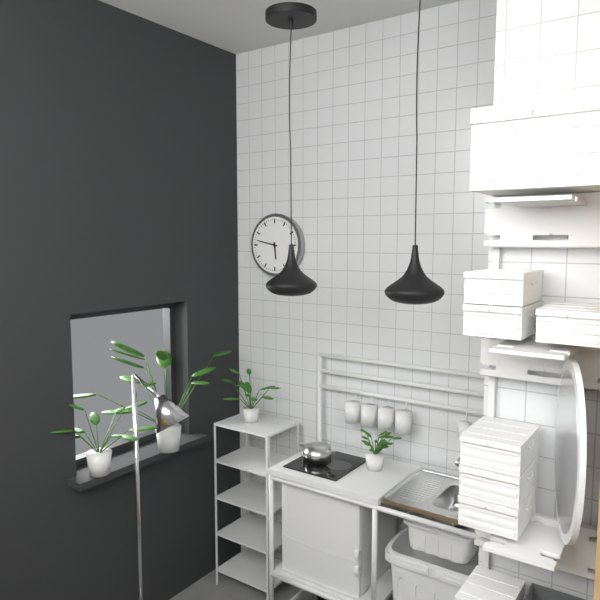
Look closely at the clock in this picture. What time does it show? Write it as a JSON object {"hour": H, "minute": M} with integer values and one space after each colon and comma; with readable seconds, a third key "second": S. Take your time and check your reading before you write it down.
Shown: {"hour": 5, "minute": 47}
